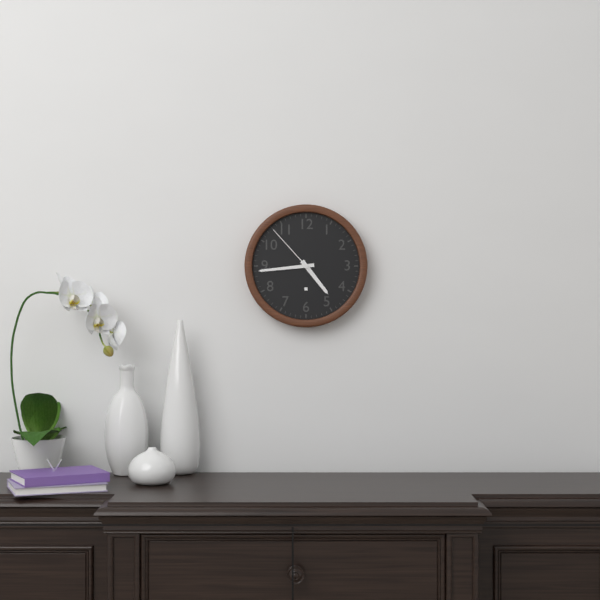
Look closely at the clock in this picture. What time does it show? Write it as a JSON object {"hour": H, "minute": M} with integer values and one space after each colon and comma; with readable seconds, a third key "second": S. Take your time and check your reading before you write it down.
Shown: {"hour": 4, "minute": 44, "second": 53}
